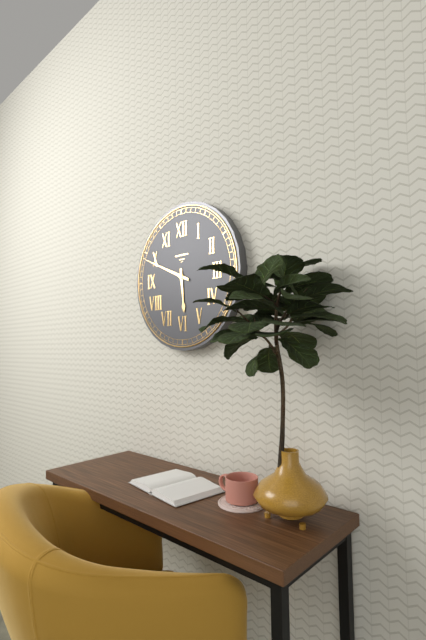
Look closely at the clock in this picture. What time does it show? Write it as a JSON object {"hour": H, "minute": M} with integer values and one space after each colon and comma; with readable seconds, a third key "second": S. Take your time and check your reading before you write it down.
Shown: {"hour": 5, "minute": 49}
